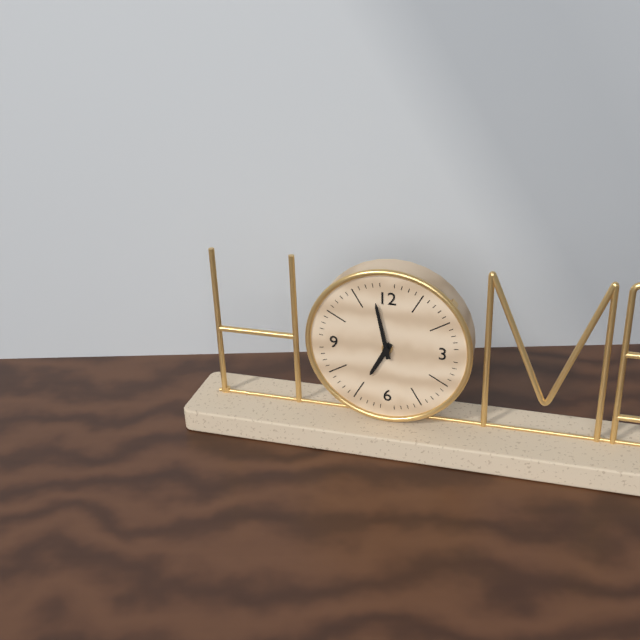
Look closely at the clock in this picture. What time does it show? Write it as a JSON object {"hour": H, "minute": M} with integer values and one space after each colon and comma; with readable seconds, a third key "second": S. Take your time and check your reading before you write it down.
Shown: {"hour": 6, "minute": 58}
